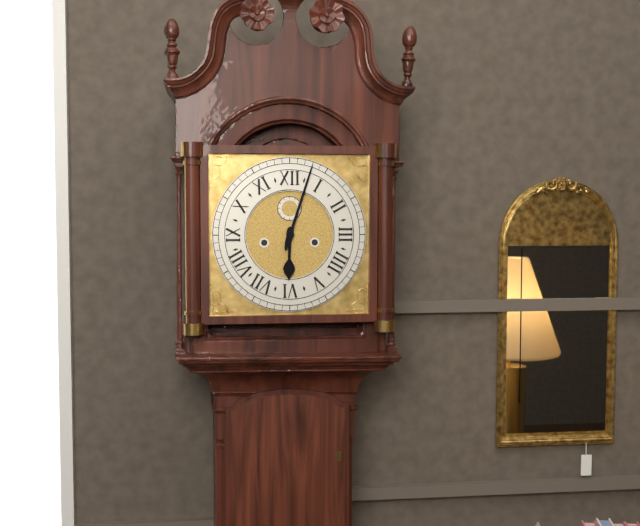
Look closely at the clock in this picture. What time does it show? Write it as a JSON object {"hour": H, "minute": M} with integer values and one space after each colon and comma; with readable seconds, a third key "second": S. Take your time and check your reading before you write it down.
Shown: {"hour": 6, "minute": 3}
